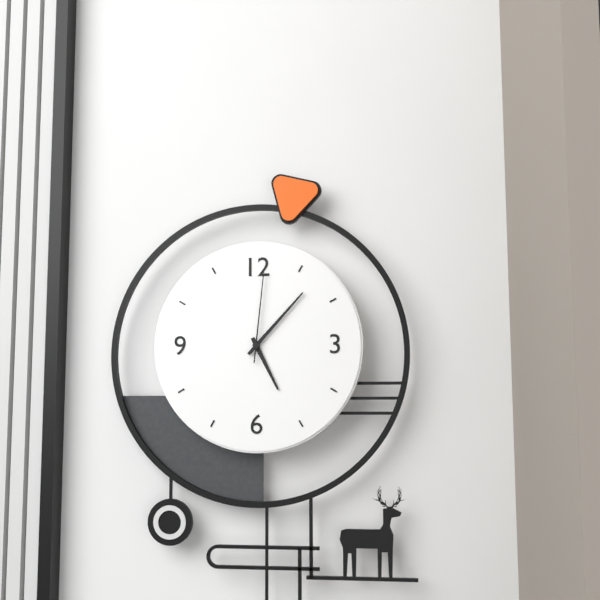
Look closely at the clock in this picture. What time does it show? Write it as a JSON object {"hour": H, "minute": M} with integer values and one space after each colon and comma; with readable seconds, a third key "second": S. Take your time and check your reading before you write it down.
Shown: {"hour": 5, "minute": 7, "second": 1}
